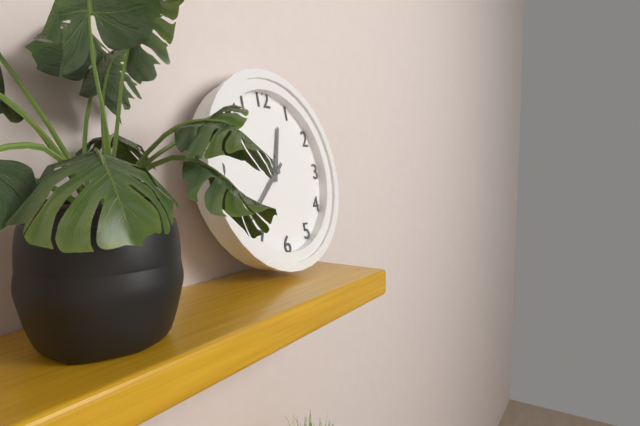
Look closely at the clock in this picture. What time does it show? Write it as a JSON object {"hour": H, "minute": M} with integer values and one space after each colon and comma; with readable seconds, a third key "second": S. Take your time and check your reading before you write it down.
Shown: {"hour": 12, "minute": 38}
